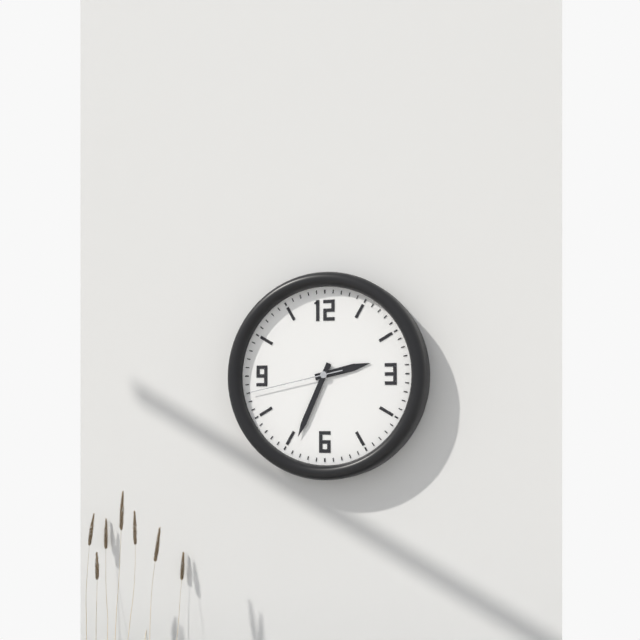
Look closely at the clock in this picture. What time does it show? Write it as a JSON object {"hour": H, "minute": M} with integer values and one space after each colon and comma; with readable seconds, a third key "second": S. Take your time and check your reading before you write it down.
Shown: {"hour": 2, "minute": 34, "second": 43}
